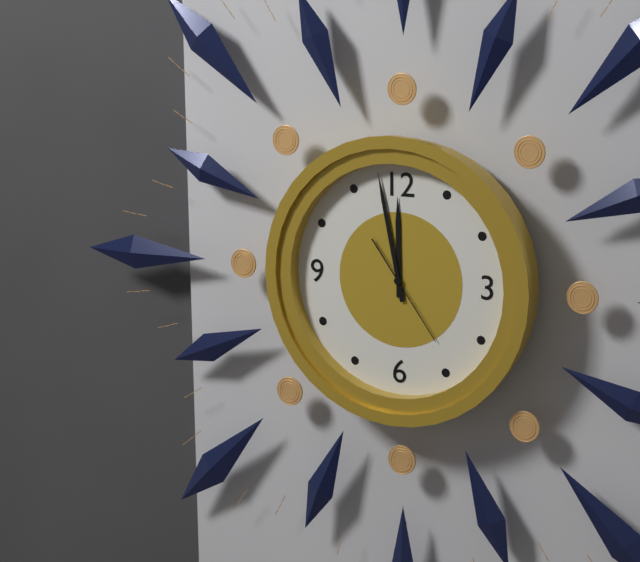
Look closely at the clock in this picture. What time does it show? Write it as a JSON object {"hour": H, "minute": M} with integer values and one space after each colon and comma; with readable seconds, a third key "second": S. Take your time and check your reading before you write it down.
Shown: {"hour": 11, "minute": 58, "second": 24}
